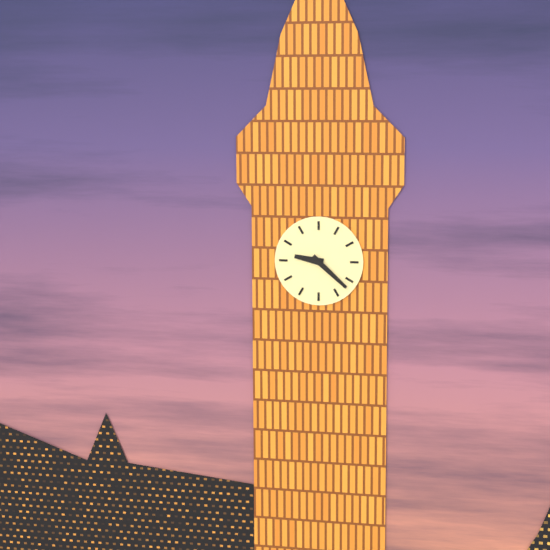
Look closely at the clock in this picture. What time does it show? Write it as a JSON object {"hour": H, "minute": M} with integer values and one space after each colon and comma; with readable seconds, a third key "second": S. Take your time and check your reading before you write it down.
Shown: {"hour": 9, "minute": 22}
